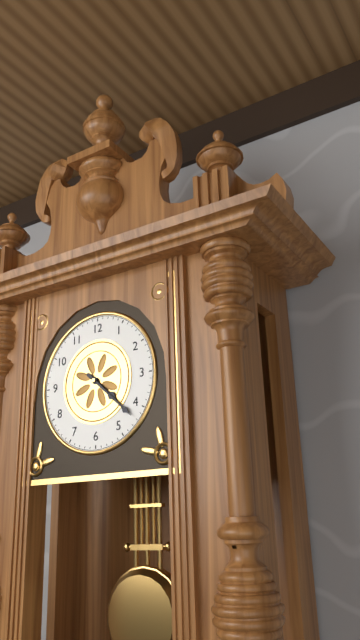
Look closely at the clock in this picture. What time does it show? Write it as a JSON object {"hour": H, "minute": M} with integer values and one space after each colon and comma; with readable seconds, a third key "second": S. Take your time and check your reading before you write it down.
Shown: {"hour": 4, "minute": 22}
